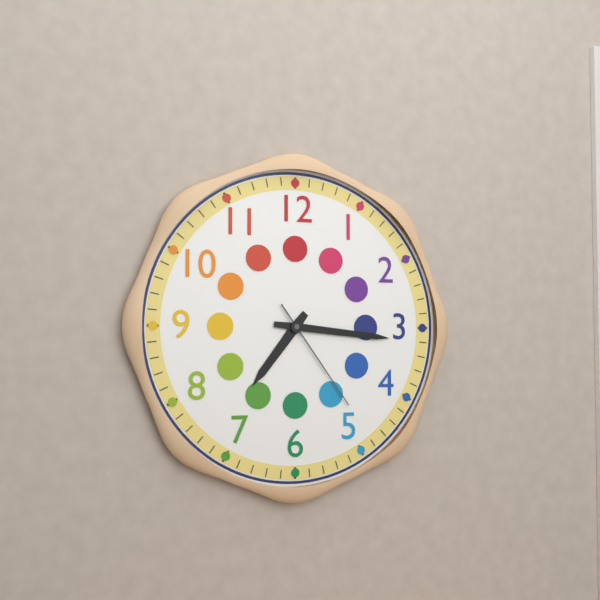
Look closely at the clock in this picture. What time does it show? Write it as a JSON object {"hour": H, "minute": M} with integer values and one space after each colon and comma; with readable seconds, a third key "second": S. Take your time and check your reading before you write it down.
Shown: {"hour": 7, "minute": 16, "second": 24}
